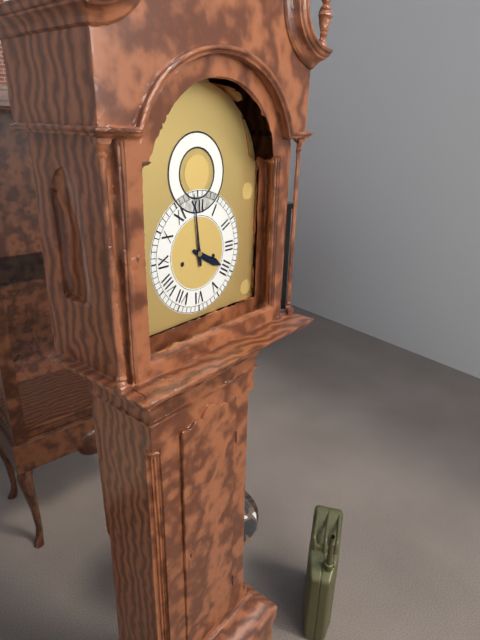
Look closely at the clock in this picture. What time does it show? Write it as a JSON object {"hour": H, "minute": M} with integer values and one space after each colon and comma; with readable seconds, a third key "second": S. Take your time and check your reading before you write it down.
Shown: {"hour": 3, "minute": 59}
